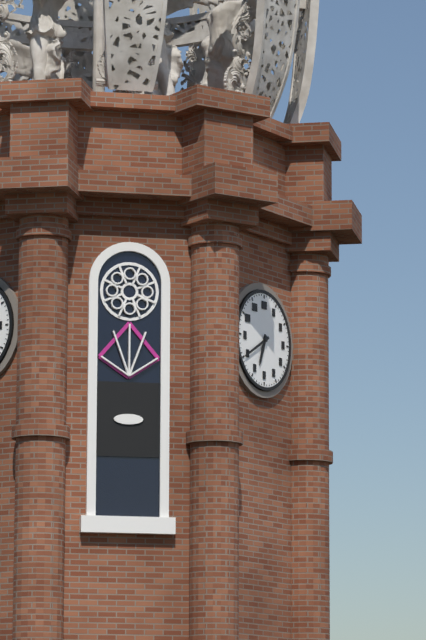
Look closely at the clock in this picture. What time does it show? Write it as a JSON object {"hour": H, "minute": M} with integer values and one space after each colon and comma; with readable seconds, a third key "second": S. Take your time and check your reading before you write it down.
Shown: {"hour": 6, "minute": 40}
